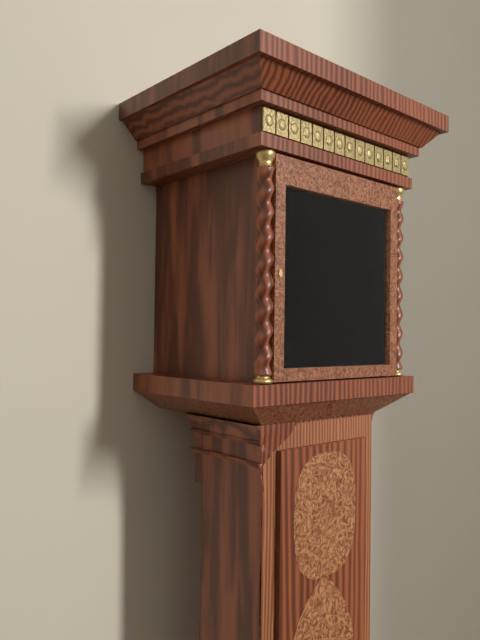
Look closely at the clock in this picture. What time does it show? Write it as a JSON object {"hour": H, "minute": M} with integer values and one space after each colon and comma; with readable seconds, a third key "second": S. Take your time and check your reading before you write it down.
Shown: {"hour": 5, "minute": 5}
